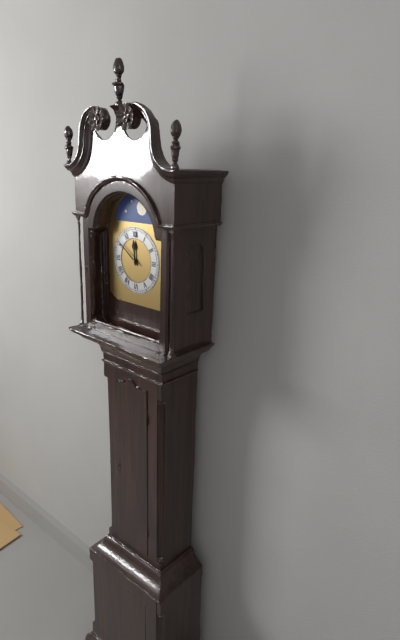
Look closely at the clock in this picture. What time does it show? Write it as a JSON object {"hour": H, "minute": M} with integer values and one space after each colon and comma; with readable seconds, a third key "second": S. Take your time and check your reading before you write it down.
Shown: {"hour": 11, "minute": 51}
